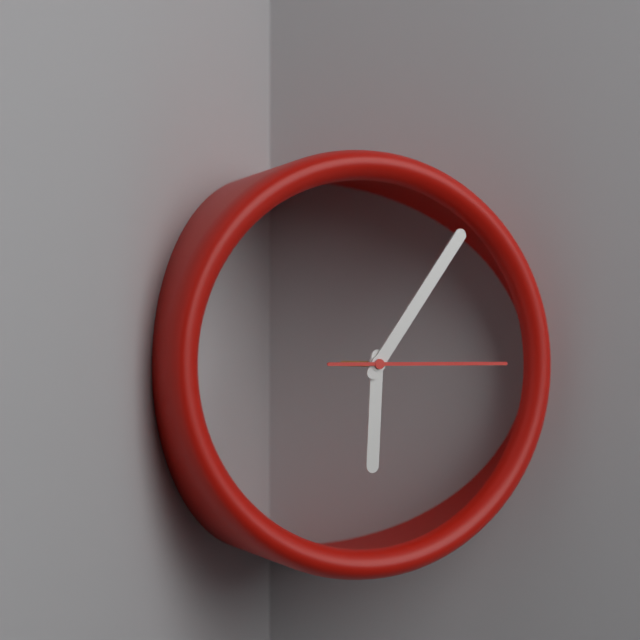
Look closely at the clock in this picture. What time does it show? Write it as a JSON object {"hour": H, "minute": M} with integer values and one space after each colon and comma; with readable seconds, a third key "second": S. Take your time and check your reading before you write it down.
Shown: {"hour": 6, "minute": 6, "second": 15}
